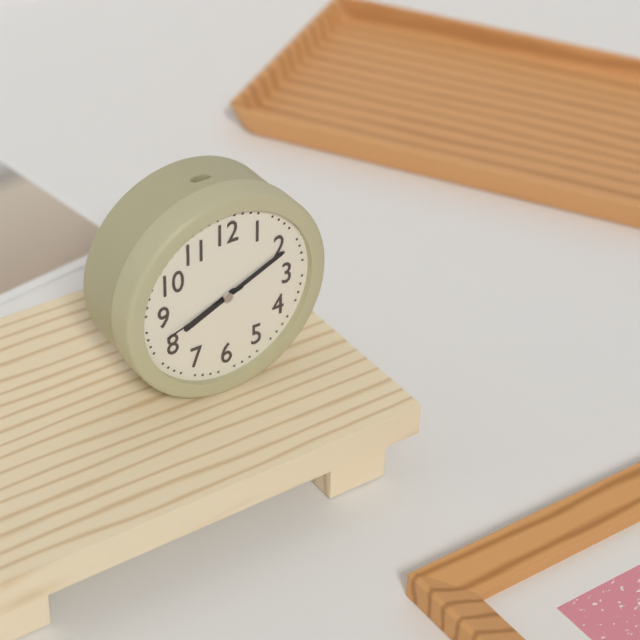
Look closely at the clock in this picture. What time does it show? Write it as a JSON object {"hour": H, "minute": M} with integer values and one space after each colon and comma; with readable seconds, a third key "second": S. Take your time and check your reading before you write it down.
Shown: {"hour": 8, "minute": 11, "second": 42}
